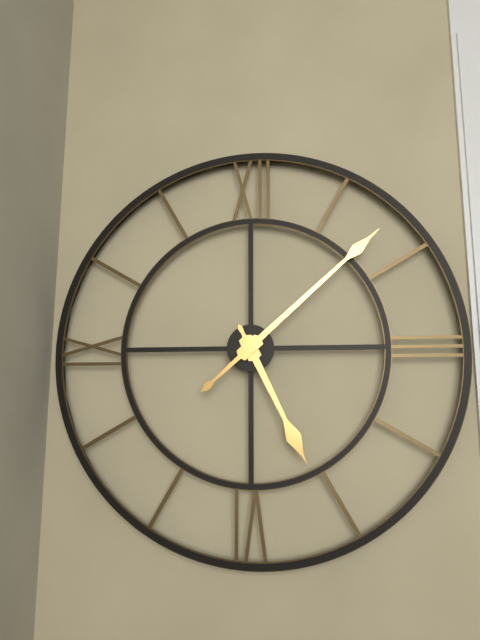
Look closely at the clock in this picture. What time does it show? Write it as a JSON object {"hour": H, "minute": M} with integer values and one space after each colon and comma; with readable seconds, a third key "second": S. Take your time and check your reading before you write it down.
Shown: {"hour": 5, "minute": 8}
